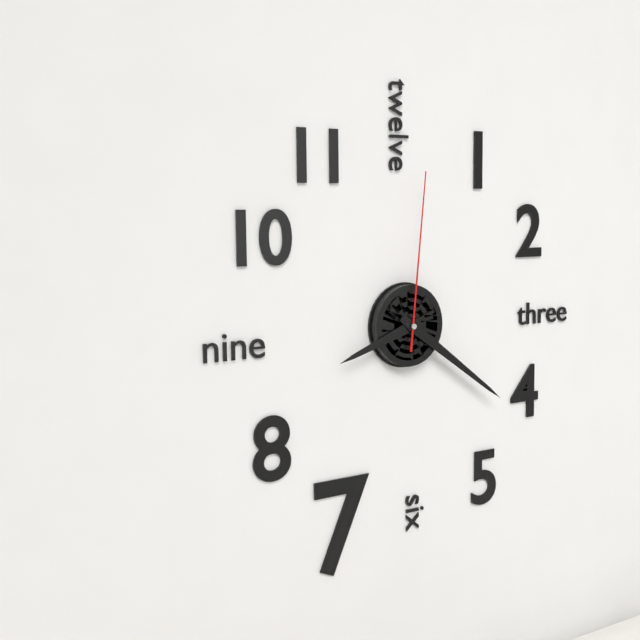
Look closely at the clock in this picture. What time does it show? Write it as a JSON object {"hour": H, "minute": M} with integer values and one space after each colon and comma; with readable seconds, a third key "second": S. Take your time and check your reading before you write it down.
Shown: {"hour": 8, "minute": 21, "second": 1}
